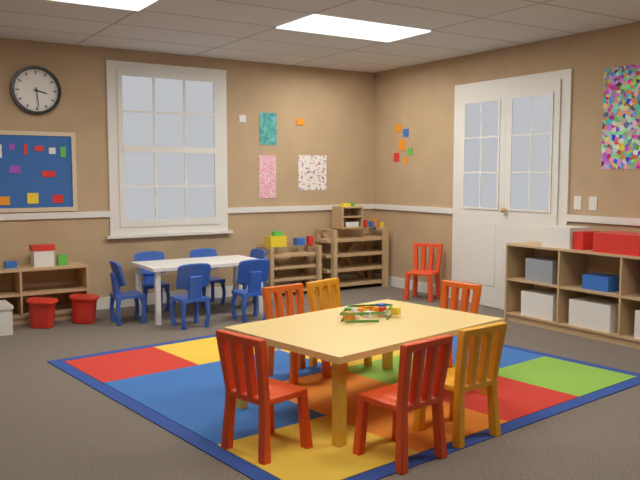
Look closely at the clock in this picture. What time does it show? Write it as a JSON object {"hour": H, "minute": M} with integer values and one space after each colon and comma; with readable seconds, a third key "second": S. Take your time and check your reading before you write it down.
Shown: {"hour": 3, "minute": 29}
